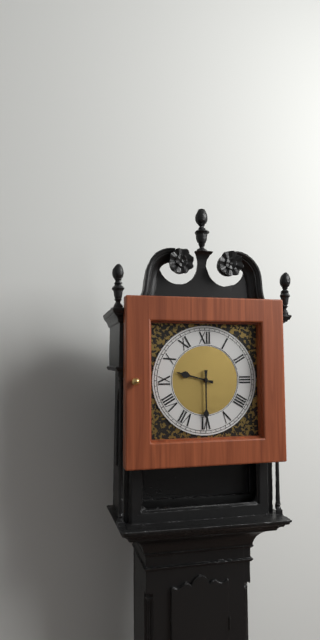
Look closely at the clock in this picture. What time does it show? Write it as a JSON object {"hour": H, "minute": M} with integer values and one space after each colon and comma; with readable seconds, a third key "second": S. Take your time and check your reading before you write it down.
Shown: {"hour": 9, "minute": 30}
